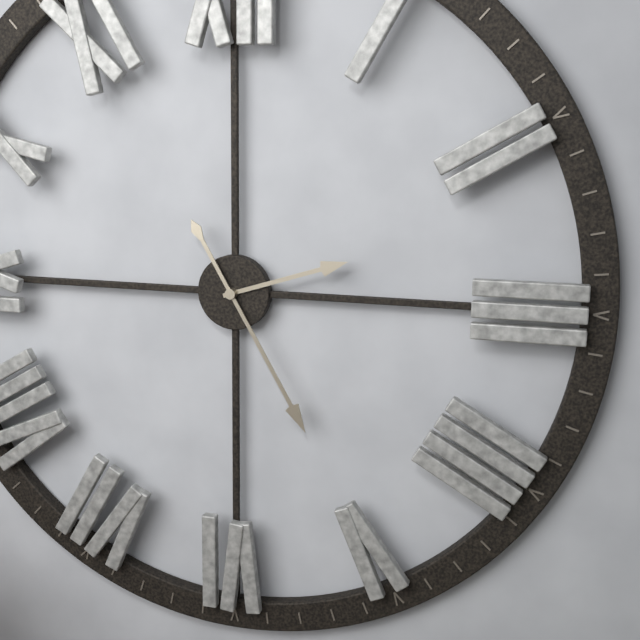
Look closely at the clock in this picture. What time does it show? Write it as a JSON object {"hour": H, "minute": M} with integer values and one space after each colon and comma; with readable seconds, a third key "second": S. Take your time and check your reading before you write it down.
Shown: {"hour": 2, "minute": 25}
